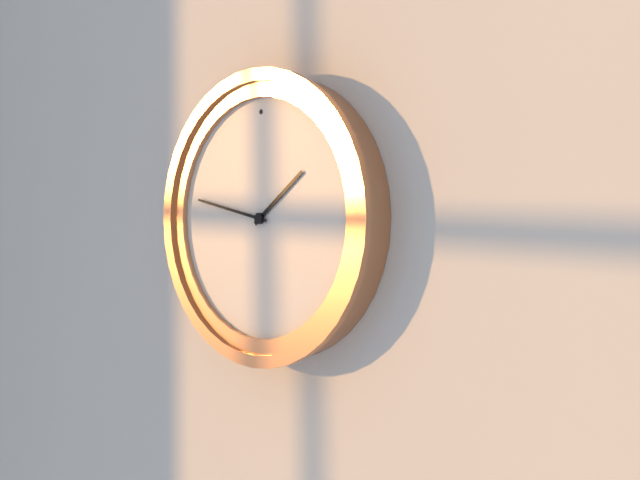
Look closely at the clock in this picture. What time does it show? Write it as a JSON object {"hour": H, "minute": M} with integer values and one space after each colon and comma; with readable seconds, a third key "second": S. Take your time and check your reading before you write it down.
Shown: {"hour": 1, "minute": 47}
